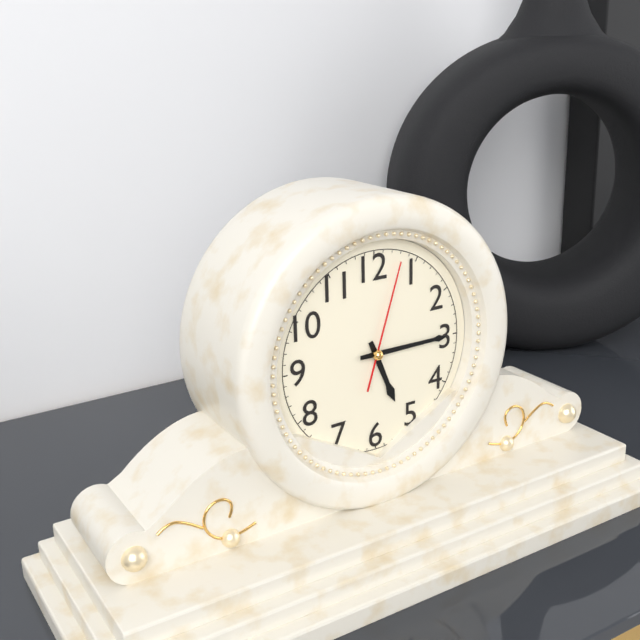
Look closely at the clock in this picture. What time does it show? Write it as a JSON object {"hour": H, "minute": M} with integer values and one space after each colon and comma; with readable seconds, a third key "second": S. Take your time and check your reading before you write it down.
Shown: {"hour": 5, "minute": 15, "second": 3}
